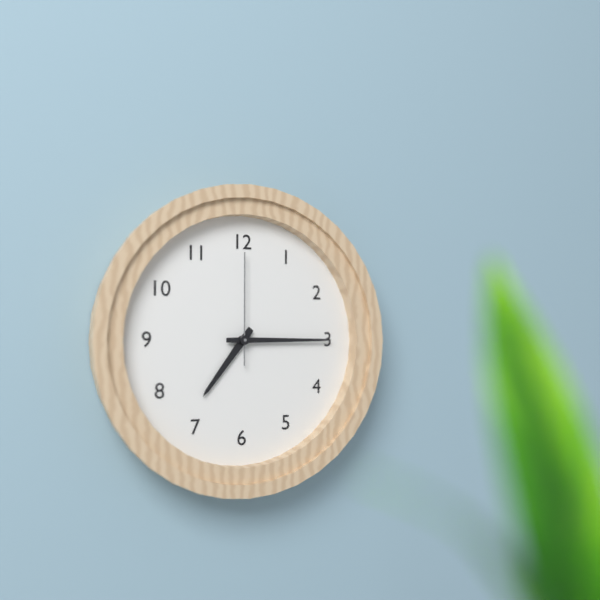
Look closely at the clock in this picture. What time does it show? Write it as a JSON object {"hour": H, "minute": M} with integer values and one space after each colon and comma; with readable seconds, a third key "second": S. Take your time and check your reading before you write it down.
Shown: {"hour": 7, "minute": 15, "second": 0}
